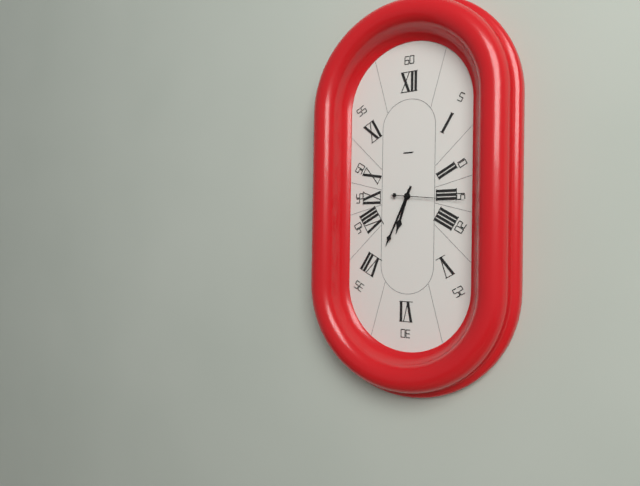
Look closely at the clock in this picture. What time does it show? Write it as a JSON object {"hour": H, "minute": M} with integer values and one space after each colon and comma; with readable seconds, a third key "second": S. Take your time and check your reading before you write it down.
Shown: {"hour": 6, "minute": 34, "second": 16}
